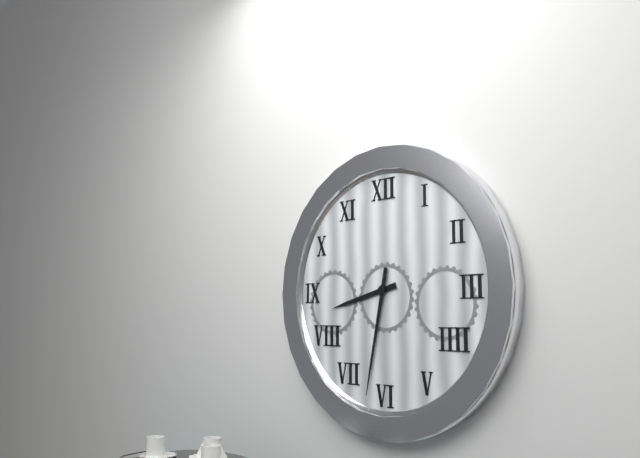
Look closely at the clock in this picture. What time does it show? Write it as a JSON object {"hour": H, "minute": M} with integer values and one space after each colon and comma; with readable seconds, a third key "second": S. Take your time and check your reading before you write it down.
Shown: {"hour": 8, "minute": 32}
